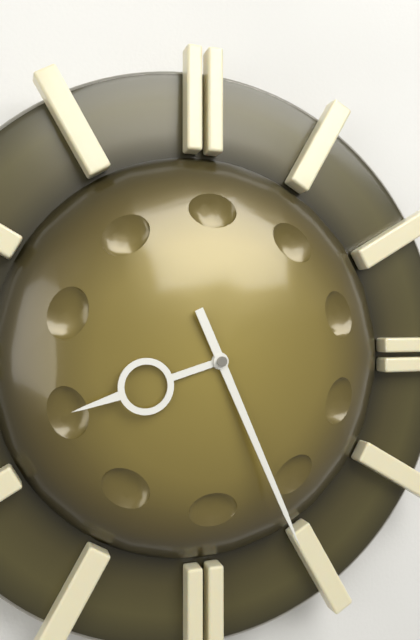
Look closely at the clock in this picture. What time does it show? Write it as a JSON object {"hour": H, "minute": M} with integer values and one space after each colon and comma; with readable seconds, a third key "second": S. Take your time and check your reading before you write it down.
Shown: {"hour": 8, "minute": 26}
